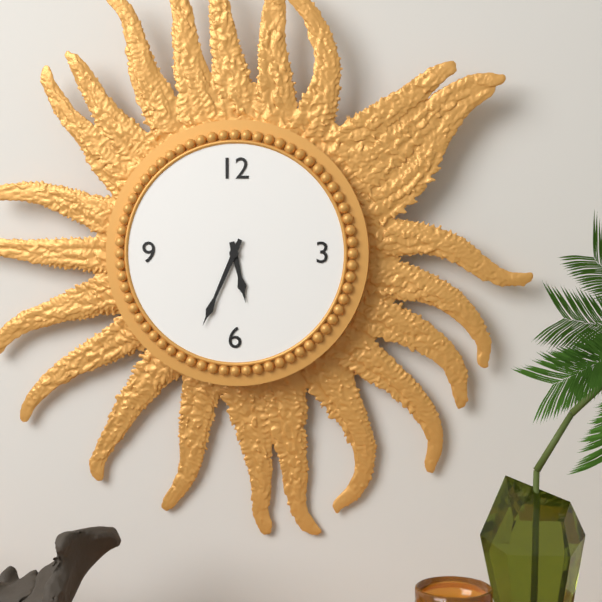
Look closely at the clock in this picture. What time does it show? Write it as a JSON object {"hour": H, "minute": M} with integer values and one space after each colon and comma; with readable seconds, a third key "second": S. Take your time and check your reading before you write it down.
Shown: {"hour": 5, "minute": 34}
